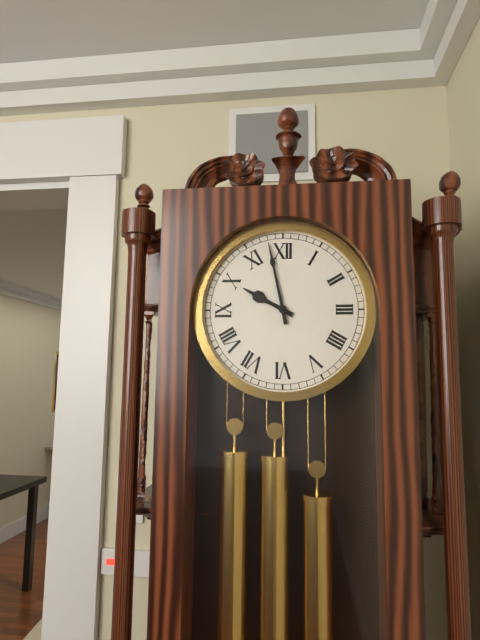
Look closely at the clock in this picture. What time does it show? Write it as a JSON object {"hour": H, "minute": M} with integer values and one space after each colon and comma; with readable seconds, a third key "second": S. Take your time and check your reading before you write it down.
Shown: {"hour": 9, "minute": 58}
